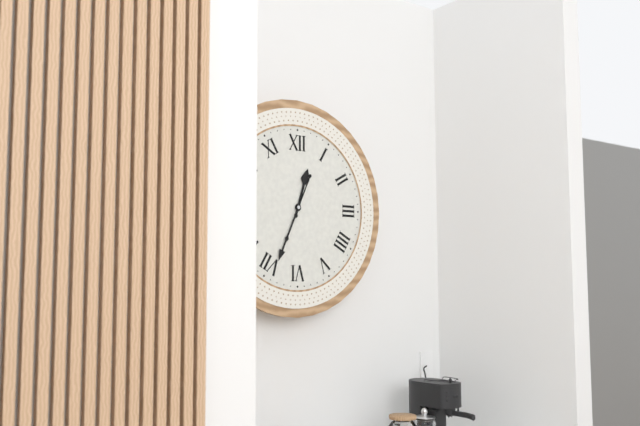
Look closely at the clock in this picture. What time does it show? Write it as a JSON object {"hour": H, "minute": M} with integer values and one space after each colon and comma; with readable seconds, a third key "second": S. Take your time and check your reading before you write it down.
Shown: {"hour": 12, "minute": 34}
